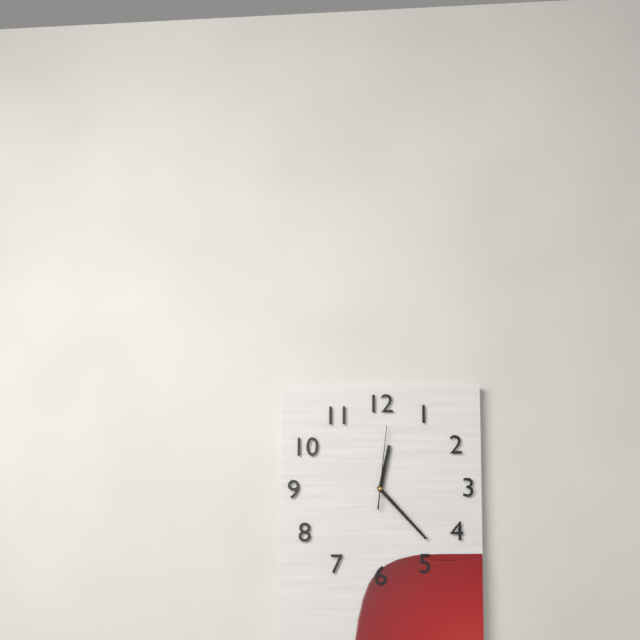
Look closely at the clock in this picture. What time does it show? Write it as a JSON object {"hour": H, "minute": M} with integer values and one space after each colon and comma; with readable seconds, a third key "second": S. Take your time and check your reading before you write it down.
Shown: {"hour": 12, "minute": 23, "second": 1}
